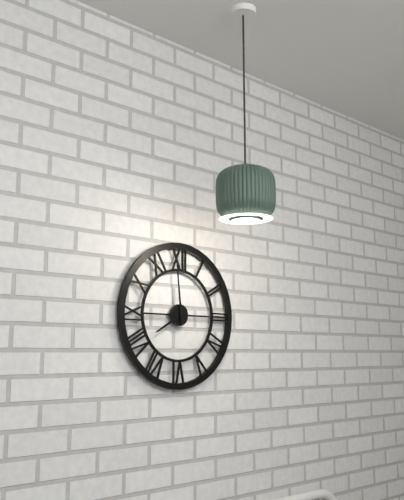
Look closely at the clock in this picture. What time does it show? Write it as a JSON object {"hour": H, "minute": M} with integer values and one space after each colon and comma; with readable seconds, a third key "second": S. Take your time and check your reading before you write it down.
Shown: {"hour": 7, "minute": 59}
